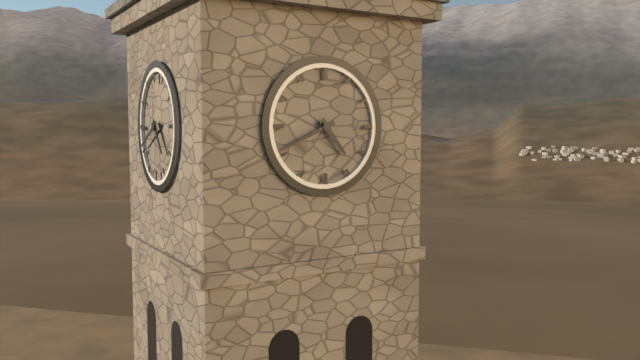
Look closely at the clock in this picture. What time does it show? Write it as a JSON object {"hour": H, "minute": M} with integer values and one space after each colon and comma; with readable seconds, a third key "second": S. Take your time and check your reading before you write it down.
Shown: {"hour": 4, "minute": 41}
